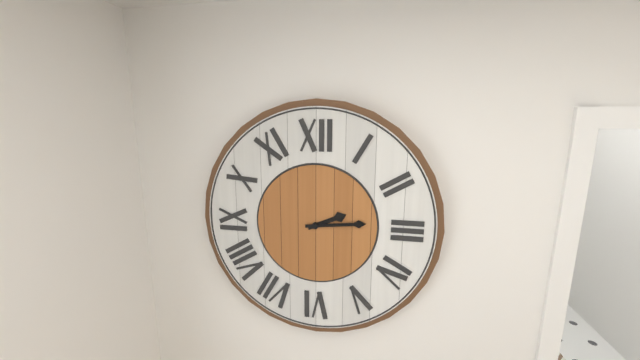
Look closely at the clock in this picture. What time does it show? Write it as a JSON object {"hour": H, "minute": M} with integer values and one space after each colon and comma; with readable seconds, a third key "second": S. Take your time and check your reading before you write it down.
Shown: {"hour": 2, "minute": 14}
